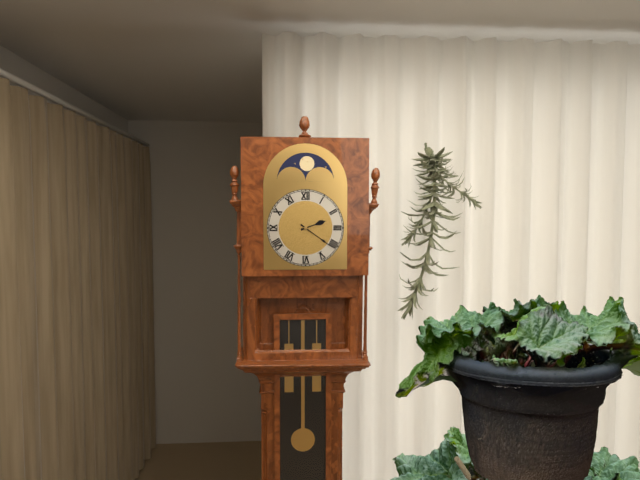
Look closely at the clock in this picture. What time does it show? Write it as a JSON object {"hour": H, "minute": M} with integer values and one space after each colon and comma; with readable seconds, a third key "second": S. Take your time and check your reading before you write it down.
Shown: {"hour": 2, "minute": 21}
